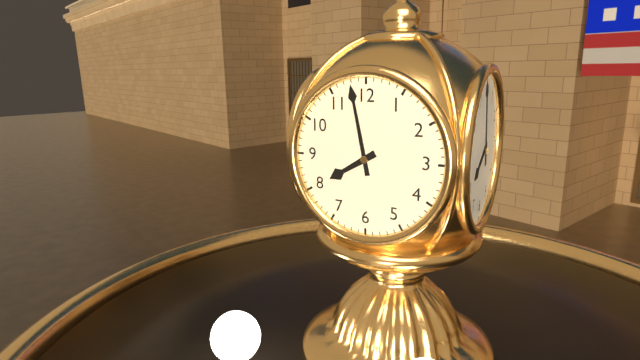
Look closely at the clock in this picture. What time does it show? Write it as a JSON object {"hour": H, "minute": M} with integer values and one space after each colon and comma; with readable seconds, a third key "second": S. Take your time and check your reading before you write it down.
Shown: {"hour": 7, "minute": 58}
